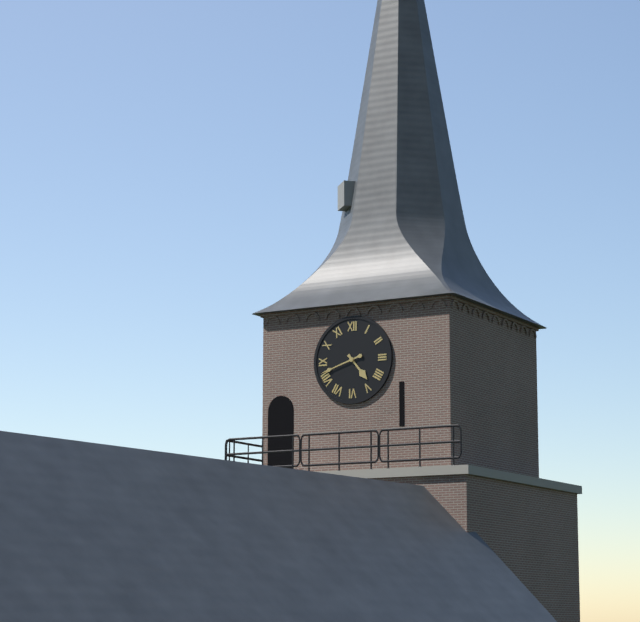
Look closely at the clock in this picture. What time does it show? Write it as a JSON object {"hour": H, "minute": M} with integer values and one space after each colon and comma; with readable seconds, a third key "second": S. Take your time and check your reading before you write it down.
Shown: {"hour": 4, "minute": 42}
